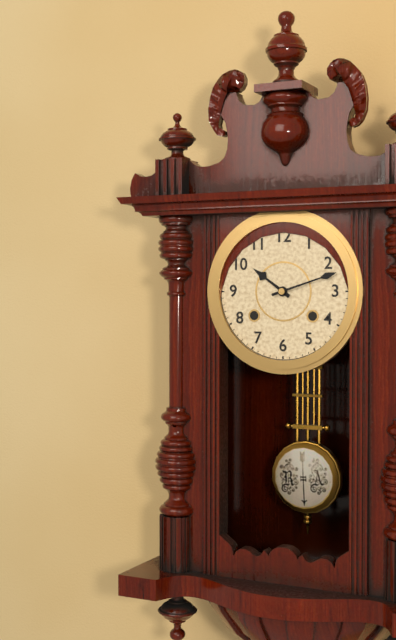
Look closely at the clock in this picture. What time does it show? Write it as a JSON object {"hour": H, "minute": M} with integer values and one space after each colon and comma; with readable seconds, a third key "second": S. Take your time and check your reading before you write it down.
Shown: {"hour": 10, "minute": 12}
